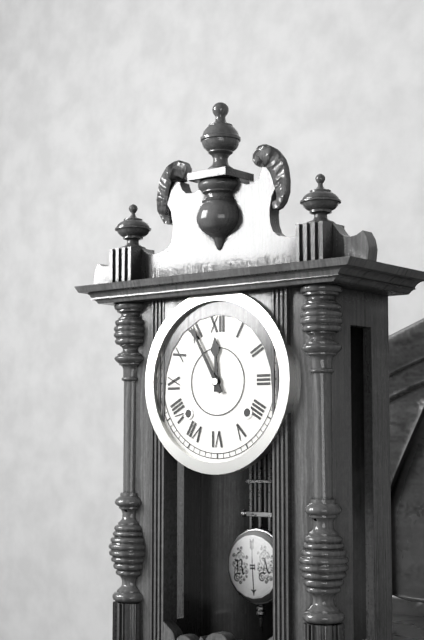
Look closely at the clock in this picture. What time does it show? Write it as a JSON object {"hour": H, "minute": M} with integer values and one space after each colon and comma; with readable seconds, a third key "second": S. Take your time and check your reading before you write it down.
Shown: {"hour": 11, "minute": 55}
